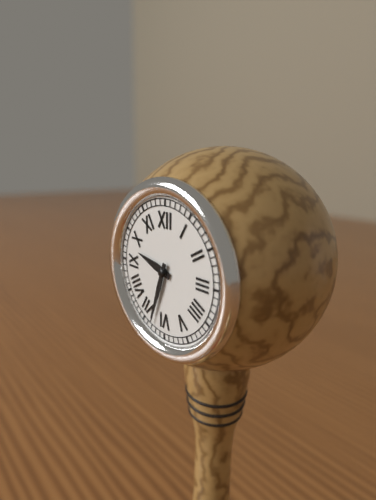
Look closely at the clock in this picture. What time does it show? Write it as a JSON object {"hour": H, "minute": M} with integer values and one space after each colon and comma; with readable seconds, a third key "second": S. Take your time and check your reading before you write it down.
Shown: {"hour": 9, "minute": 33}
